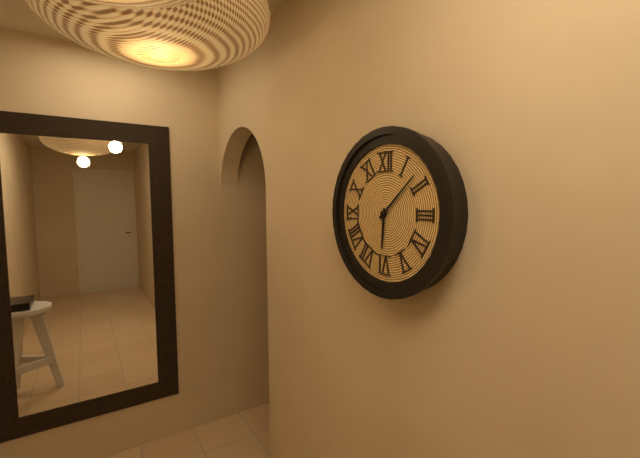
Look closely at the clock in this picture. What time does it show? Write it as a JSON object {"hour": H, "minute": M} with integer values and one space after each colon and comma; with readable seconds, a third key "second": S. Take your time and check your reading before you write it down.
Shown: {"hour": 6, "minute": 8}
